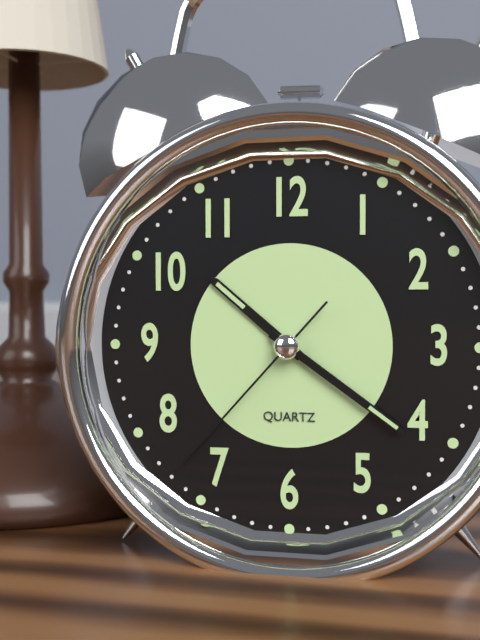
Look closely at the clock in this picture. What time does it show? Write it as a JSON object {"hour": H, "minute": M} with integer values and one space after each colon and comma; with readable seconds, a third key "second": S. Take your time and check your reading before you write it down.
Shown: {"hour": 10, "minute": 21, "second": 37}
